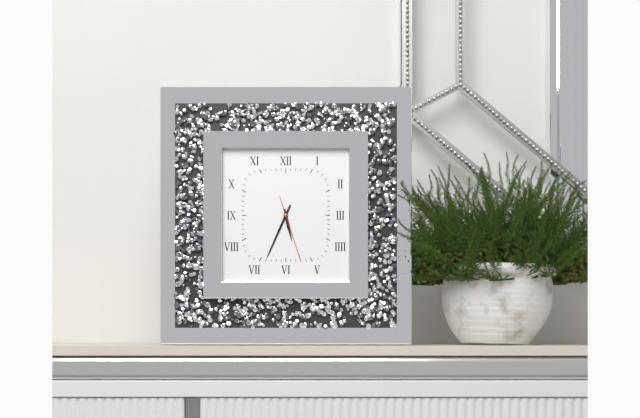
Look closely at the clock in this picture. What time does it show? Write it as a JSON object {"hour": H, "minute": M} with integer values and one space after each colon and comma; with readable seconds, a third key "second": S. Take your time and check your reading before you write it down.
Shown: {"hour": 5, "minute": 34, "second": 27}
